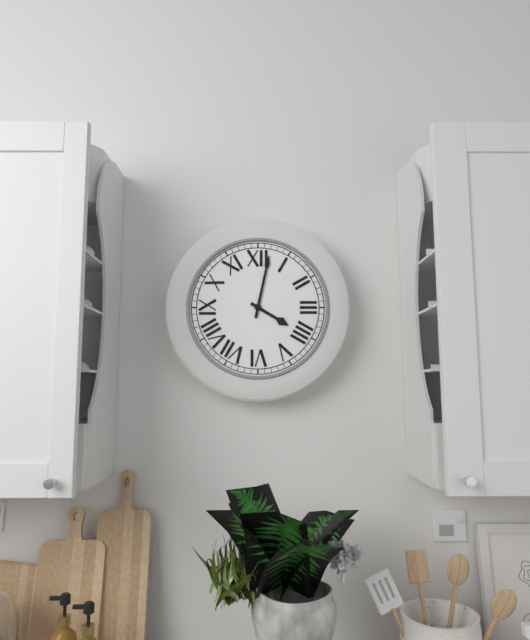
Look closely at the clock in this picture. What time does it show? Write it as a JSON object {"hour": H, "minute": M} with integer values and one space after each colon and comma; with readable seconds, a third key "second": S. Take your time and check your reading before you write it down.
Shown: {"hour": 4, "minute": 2}
